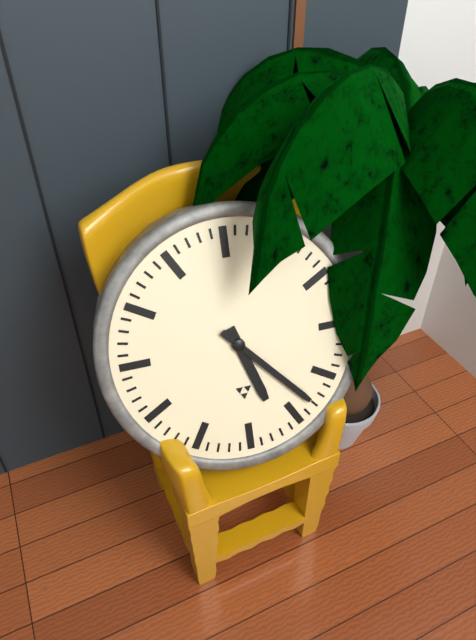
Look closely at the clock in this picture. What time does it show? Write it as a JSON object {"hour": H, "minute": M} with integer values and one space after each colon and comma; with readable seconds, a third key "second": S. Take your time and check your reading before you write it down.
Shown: {"hour": 5, "minute": 23}
